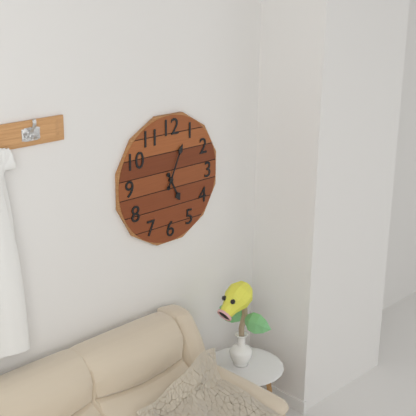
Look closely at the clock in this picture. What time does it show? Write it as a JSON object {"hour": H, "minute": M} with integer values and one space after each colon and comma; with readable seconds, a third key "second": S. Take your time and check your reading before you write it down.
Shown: {"hour": 5, "minute": 4}
